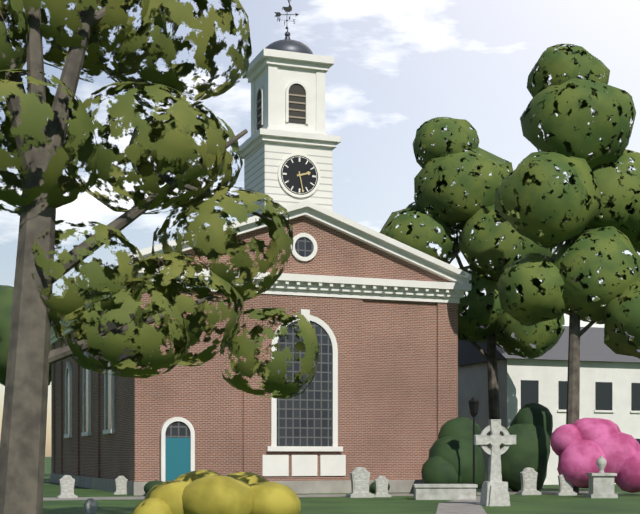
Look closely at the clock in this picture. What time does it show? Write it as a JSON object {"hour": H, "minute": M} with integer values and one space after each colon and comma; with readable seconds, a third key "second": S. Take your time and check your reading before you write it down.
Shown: {"hour": 2, "minute": 28}
